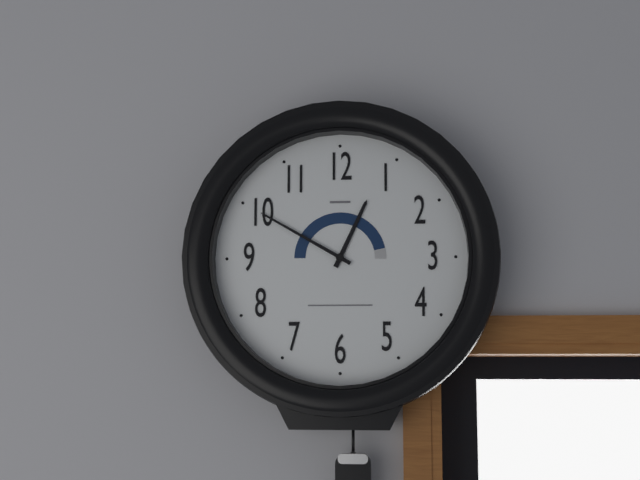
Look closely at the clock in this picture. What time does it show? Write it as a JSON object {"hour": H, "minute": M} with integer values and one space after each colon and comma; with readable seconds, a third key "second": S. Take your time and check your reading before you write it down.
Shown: {"hour": 12, "minute": 50}
